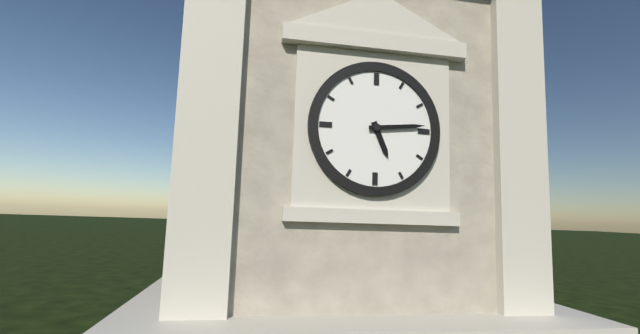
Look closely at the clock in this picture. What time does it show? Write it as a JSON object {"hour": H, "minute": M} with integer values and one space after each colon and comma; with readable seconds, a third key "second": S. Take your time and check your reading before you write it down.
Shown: {"hour": 5, "minute": 14}
